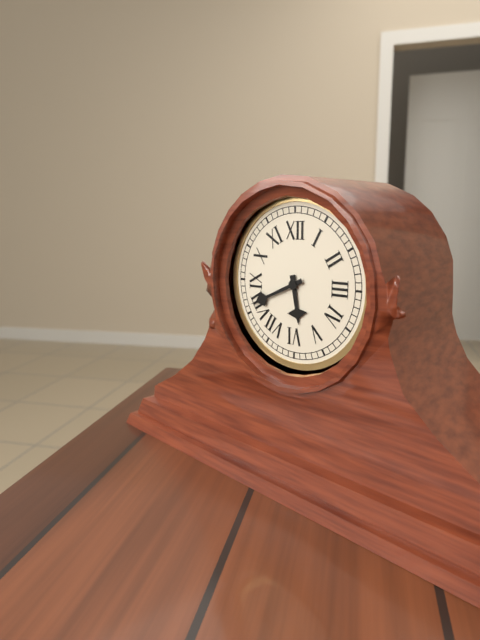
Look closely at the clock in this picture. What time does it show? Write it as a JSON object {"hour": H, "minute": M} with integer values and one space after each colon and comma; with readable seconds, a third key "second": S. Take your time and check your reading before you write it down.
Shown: {"hour": 5, "minute": 41}
